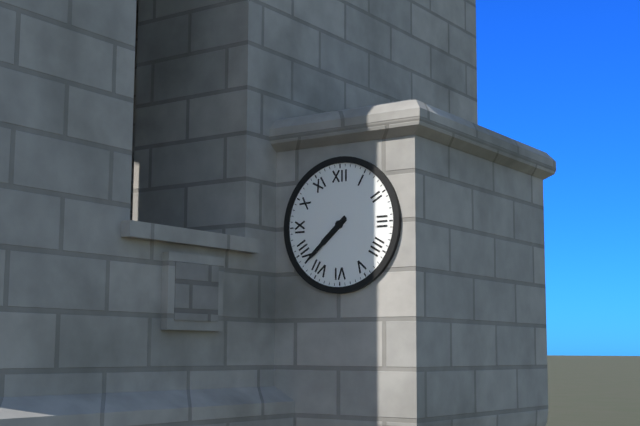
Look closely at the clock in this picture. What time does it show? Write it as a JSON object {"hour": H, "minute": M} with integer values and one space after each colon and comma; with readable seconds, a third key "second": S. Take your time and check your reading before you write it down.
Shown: {"hour": 7, "minute": 38}
